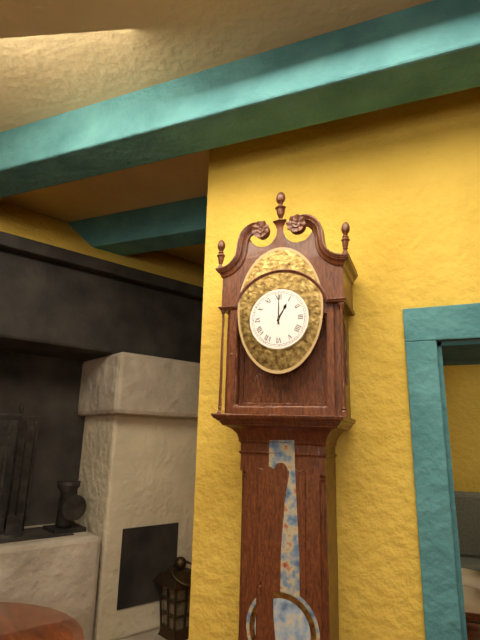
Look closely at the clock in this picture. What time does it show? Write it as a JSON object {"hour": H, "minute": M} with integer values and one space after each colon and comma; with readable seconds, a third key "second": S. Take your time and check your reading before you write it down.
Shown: {"hour": 1, "minute": 0}
